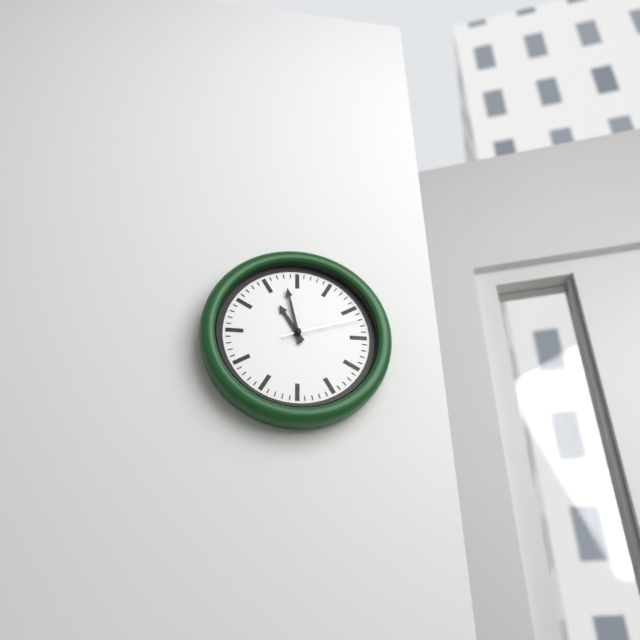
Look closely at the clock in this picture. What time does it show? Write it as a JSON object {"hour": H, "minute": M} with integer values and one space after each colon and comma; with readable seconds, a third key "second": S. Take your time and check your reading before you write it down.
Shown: {"hour": 10, "minute": 58, "second": 12}
